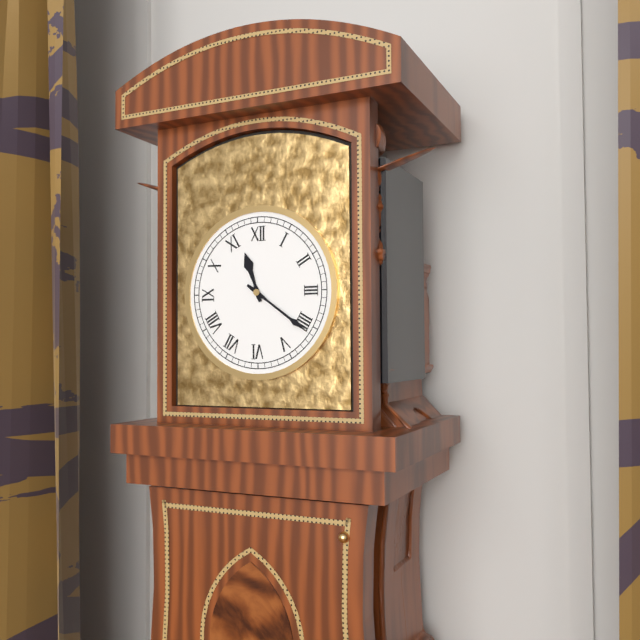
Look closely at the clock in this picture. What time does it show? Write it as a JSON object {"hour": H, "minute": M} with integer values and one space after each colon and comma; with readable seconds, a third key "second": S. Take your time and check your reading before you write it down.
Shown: {"hour": 11, "minute": 21}
